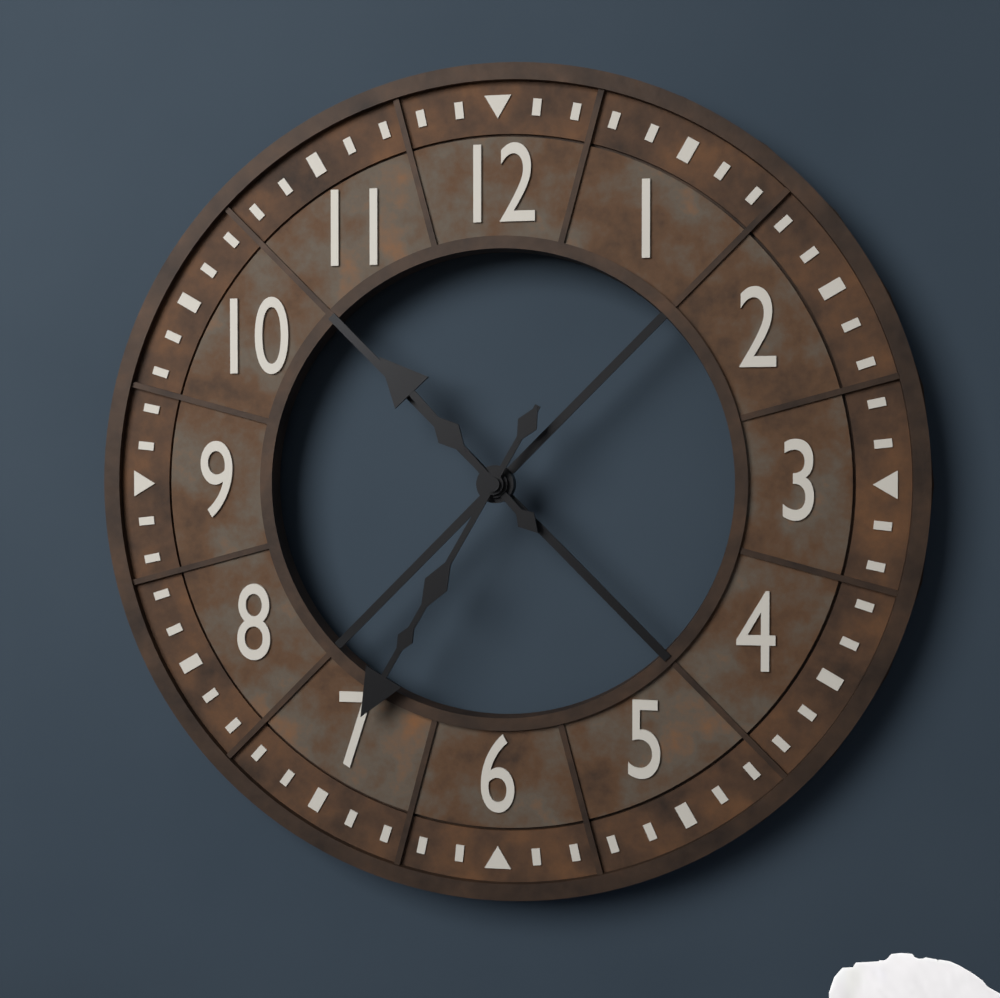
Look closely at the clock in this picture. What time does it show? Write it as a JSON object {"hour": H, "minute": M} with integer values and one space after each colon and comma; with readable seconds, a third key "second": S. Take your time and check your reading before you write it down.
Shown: {"hour": 10, "minute": 35}
